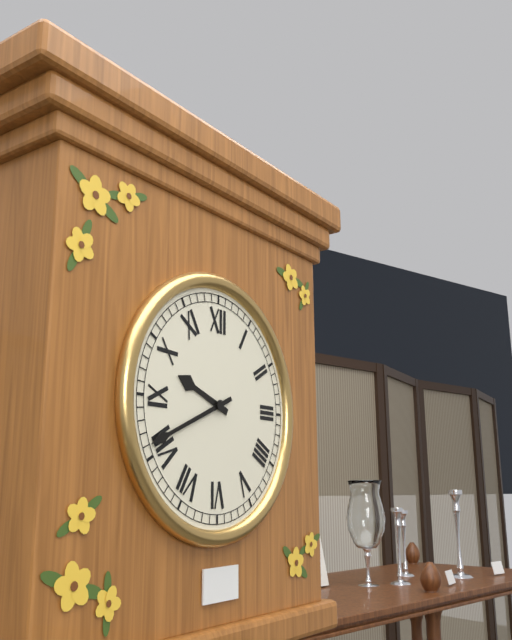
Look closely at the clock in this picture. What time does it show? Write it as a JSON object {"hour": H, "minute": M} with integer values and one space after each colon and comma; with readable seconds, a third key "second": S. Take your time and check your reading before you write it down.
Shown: {"hour": 9, "minute": 41}
